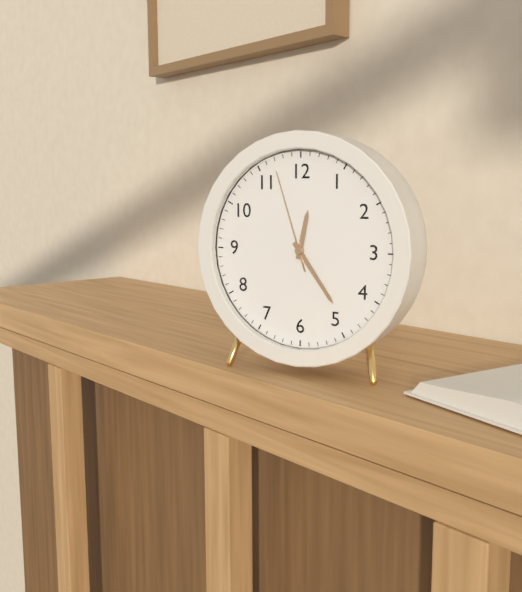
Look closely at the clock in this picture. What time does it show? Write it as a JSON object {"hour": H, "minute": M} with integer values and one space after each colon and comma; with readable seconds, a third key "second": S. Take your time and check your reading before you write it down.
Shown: {"hour": 12, "minute": 24, "second": 57}
